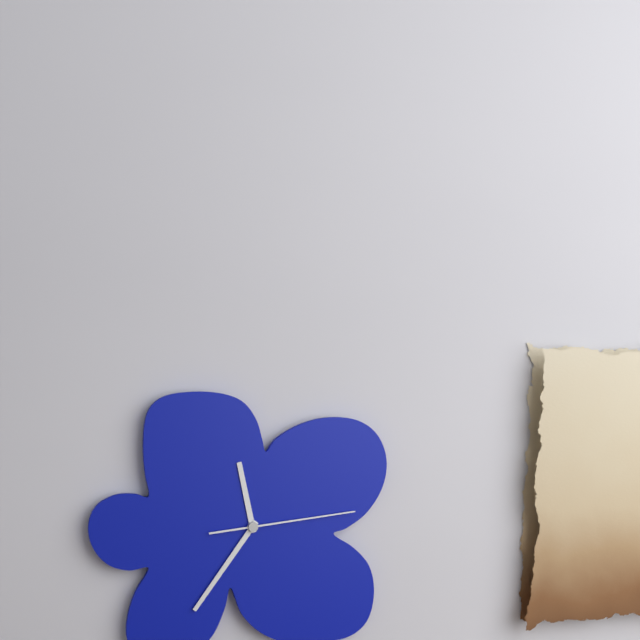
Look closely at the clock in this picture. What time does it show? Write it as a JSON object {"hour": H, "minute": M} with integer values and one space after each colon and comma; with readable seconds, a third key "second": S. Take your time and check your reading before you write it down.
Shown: {"hour": 11, "minute": 36, "second": 14}
